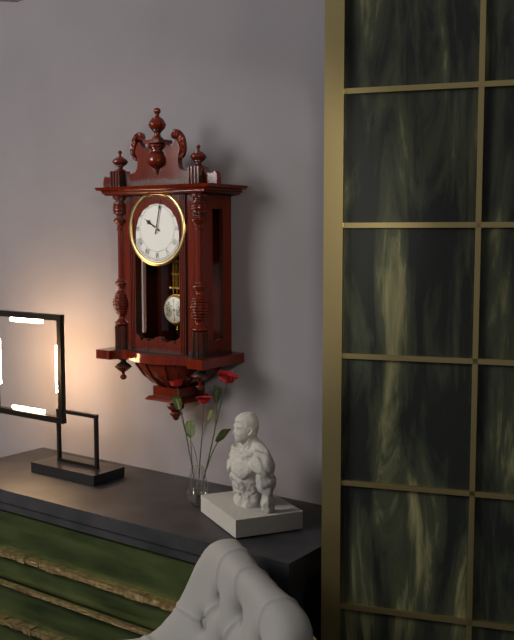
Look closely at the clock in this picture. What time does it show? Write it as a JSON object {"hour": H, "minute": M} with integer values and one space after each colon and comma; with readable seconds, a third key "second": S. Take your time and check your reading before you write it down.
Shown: {"hour": 10, "minute": 2}
